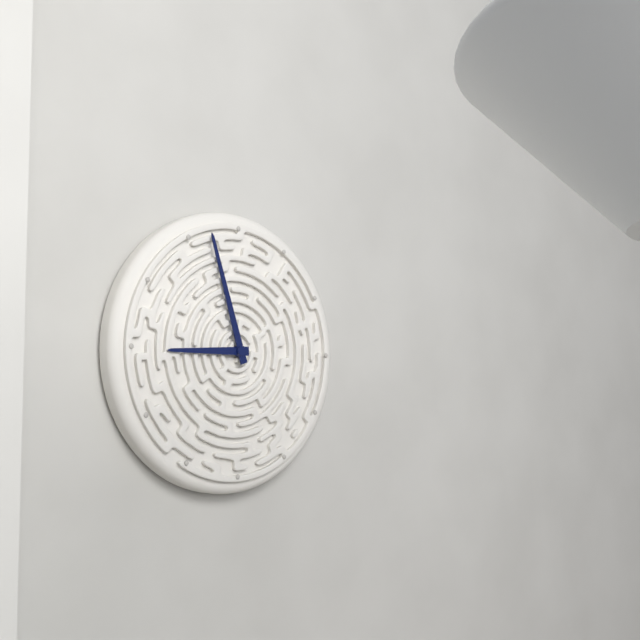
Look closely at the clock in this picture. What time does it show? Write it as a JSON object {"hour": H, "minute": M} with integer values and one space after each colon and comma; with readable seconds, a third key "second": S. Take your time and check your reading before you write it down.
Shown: {"hour": 8, "minute": 57}
